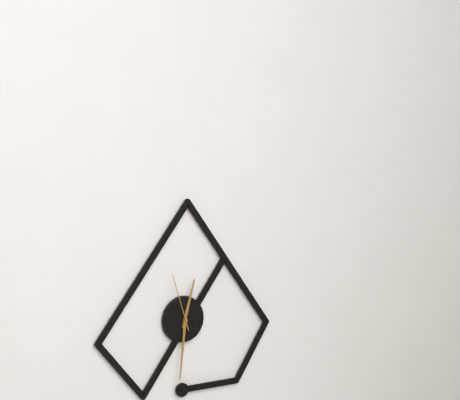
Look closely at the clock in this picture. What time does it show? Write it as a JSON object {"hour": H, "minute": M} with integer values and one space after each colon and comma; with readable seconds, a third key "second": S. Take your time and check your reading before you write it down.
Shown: {"hour": 12, "minute": 31, "second": 57}
